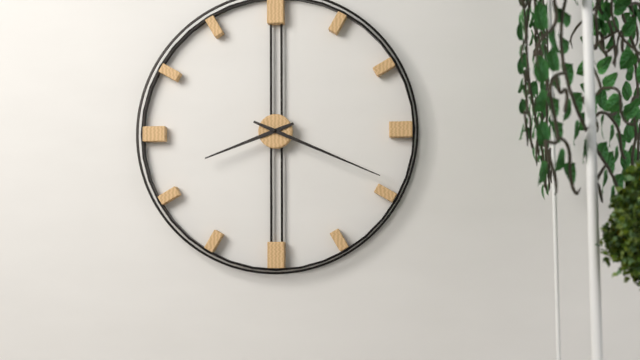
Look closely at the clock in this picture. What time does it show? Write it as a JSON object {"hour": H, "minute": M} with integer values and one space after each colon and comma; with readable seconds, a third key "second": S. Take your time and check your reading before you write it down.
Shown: {"hour": 8, "minute": 19}
